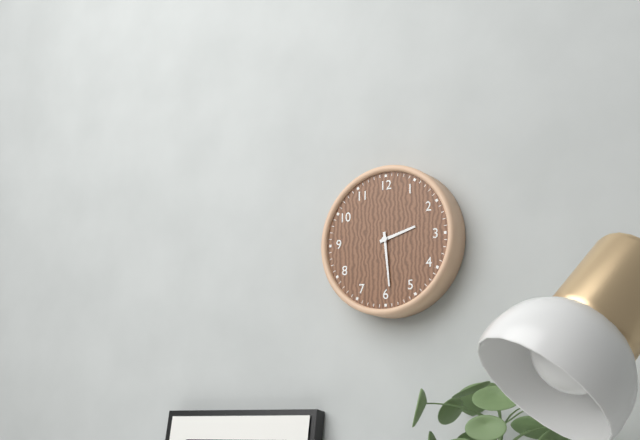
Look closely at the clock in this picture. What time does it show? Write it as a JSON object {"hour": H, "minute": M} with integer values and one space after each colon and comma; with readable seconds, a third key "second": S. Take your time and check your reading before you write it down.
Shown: {"hour": 2, "minute": 29}
